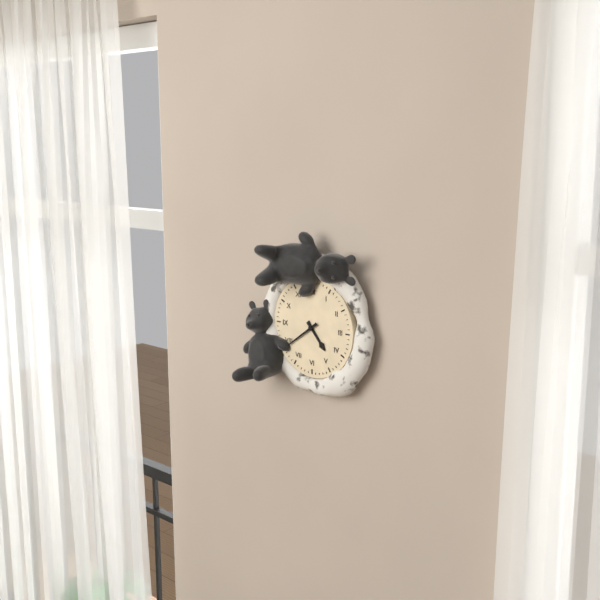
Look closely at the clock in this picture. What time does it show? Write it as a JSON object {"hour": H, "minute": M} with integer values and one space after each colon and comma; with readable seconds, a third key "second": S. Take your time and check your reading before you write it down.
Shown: {"hour": 4, "minute": 39}
